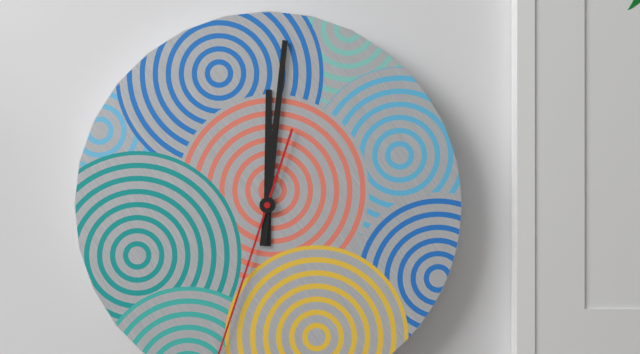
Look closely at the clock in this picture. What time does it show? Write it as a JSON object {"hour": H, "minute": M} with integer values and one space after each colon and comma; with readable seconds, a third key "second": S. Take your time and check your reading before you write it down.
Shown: {"hour": 12, "minute": 1}
